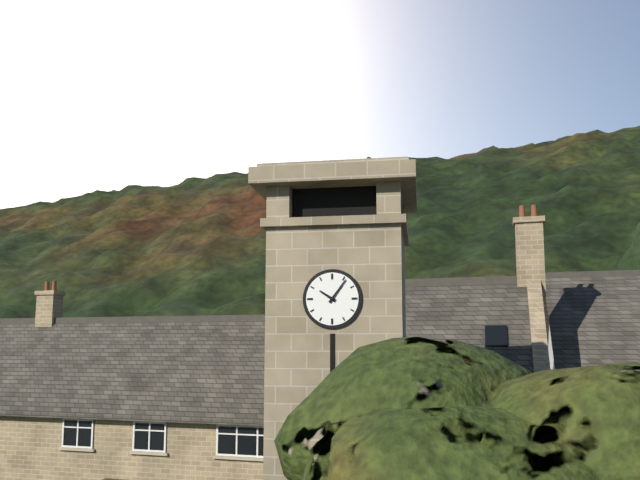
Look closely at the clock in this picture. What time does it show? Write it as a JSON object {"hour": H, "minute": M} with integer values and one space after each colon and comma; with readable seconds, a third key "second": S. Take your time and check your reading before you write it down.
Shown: {"hour": 10, "minute": 6}
